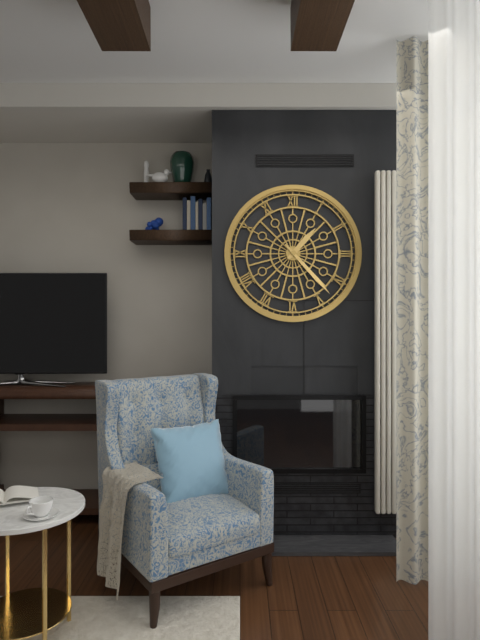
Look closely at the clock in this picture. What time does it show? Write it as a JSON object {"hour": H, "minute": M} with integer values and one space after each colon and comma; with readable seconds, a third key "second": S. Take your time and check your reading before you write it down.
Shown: {"hour": 1, "minute": 23}
